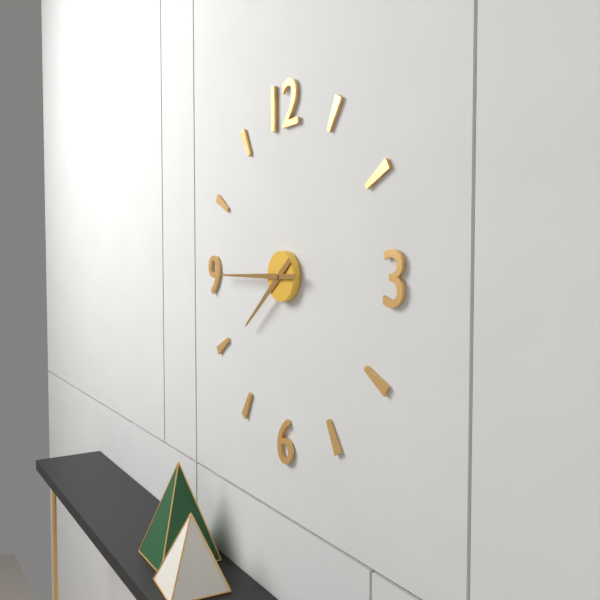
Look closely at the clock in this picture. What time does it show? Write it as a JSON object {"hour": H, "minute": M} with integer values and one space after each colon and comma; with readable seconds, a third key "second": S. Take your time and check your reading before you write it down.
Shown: {"hour": 7, "minute": 45}
